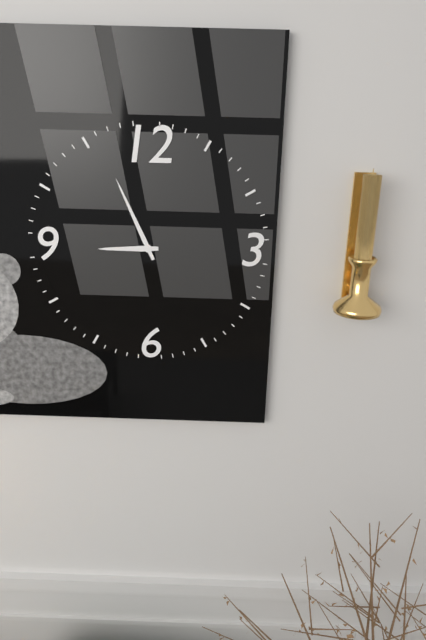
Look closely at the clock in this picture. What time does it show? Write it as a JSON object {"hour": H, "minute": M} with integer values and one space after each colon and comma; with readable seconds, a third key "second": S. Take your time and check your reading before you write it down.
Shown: {"hour": 8, "minute": 56}
